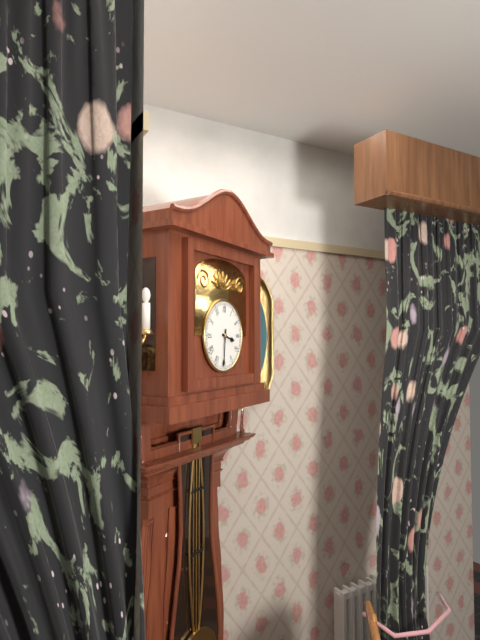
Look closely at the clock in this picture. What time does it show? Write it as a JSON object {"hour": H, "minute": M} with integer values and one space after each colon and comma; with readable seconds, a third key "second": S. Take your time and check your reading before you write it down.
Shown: {"hour": 3, "minute": 31}
